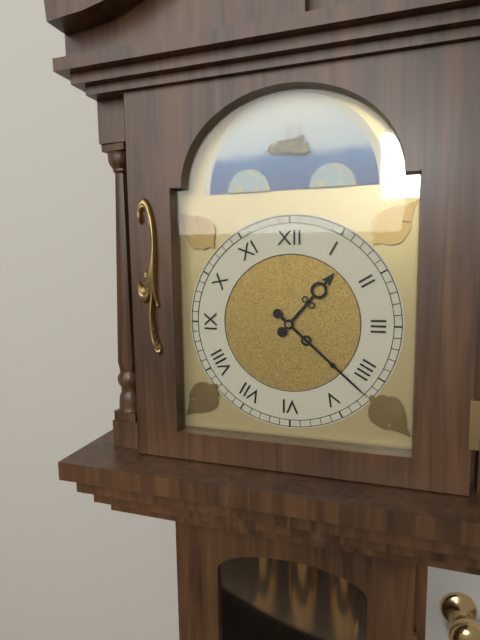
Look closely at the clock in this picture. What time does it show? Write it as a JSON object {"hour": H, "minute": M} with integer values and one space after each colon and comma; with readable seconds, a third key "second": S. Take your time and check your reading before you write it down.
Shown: {"hour": 1, "minute": 22}
